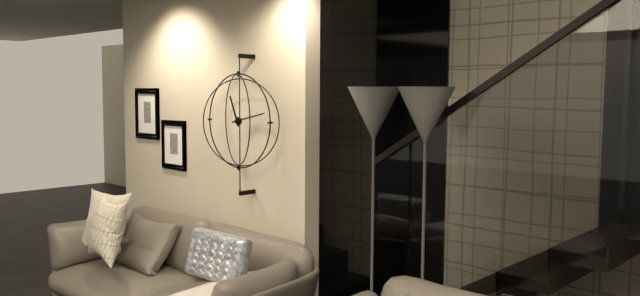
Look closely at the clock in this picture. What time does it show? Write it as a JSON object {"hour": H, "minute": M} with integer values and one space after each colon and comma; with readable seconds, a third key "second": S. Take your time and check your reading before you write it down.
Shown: {"hour": 11, "minute": 13}
